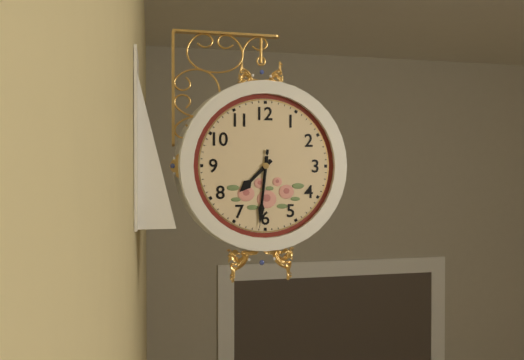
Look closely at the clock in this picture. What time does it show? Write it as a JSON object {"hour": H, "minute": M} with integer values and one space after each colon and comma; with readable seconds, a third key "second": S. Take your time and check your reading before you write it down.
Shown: {"hour": 7, "minute": 31, "second": 31}
